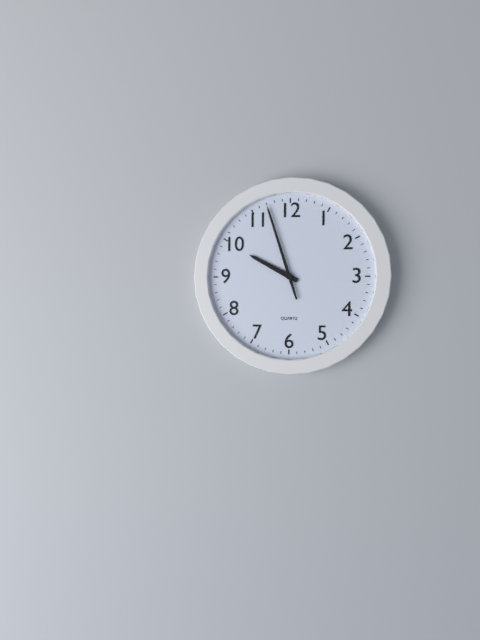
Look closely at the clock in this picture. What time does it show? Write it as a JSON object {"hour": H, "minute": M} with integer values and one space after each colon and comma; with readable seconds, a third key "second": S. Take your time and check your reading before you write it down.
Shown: {"hour": 9, "minute": 57}
